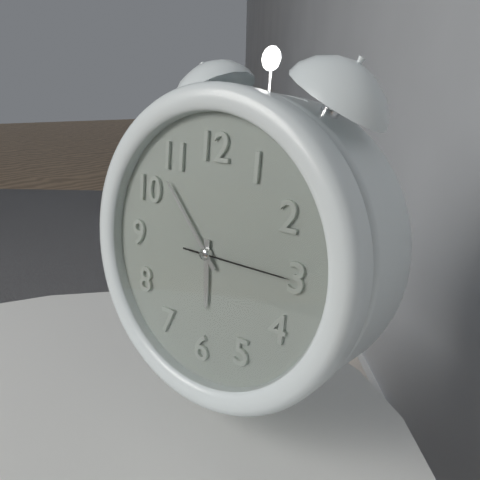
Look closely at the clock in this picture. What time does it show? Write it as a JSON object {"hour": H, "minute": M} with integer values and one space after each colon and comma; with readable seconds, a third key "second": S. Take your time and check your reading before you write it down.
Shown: {"hour": 5, "minute": 53, "second": 15}
